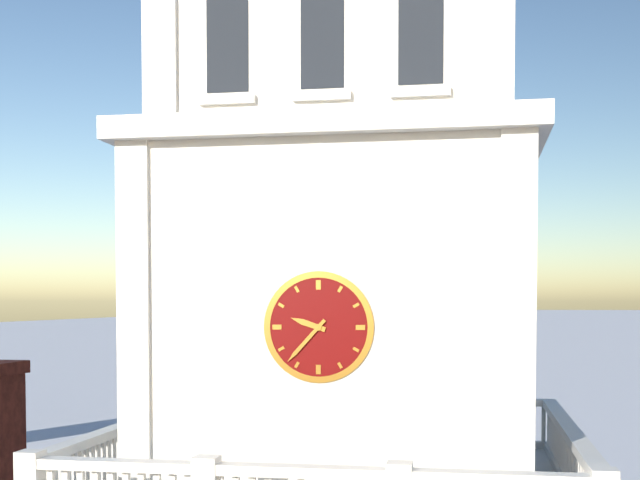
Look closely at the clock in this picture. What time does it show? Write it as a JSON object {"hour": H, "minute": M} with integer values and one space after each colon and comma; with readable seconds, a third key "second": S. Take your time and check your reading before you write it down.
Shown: {"hour": 9, "minute": 37}
